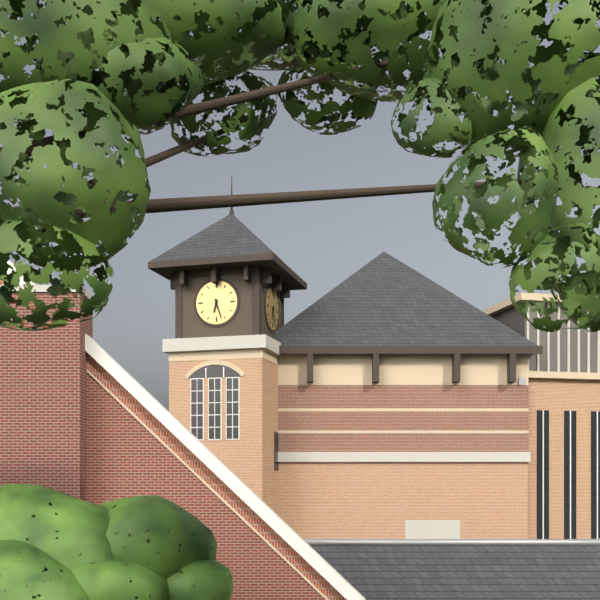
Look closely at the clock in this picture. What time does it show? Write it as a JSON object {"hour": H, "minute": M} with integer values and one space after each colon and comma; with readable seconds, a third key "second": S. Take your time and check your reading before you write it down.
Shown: {"hour": 6, "minute": 27}
